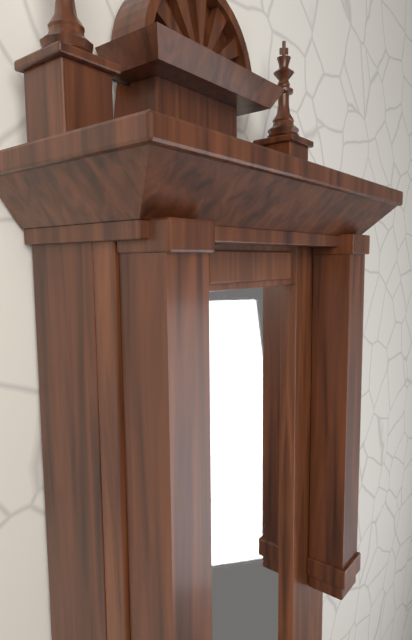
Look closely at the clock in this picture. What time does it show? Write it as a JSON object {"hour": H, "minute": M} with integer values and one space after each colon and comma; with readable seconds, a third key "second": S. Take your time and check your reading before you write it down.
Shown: {"hour": 1, "minute": 30}
